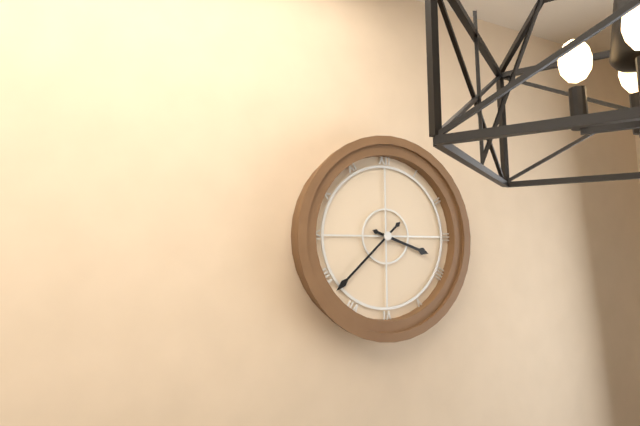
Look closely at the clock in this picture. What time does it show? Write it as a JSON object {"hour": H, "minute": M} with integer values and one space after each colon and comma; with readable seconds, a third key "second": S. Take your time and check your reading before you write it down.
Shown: {"hour": 3, "minute": 38}
